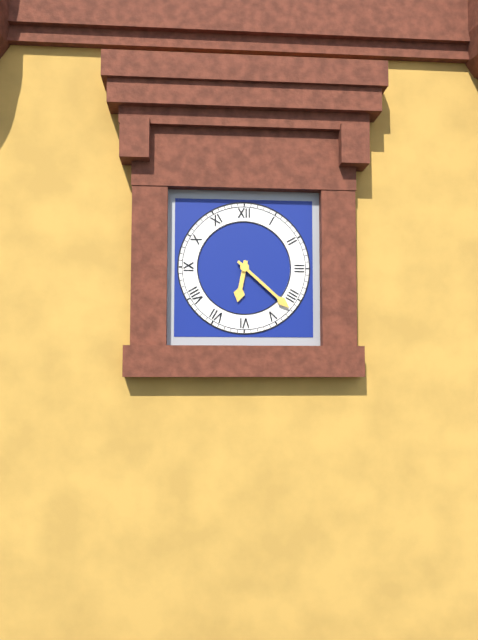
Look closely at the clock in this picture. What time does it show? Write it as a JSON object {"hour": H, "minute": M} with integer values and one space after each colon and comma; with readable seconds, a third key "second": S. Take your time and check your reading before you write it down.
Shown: {"hour": 6, "minute": 22}
